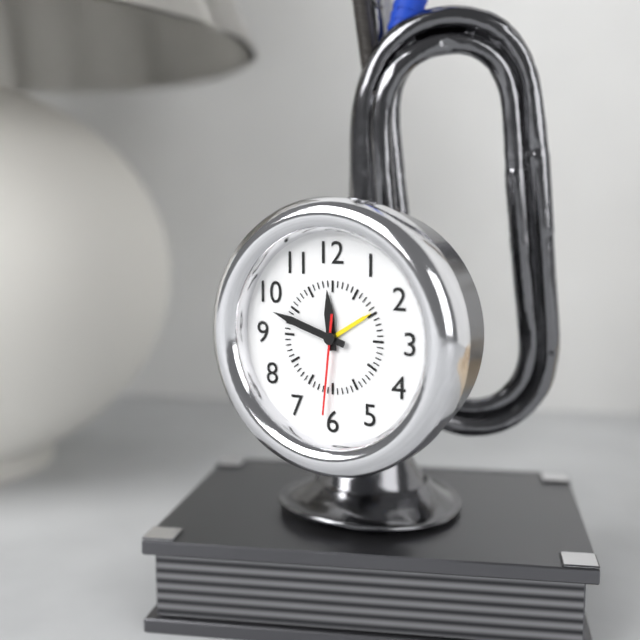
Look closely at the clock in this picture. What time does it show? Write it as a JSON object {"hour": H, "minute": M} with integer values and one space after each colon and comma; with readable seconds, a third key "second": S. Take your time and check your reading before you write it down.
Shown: {"hour": 11, "minute": 48, "second": 31}
